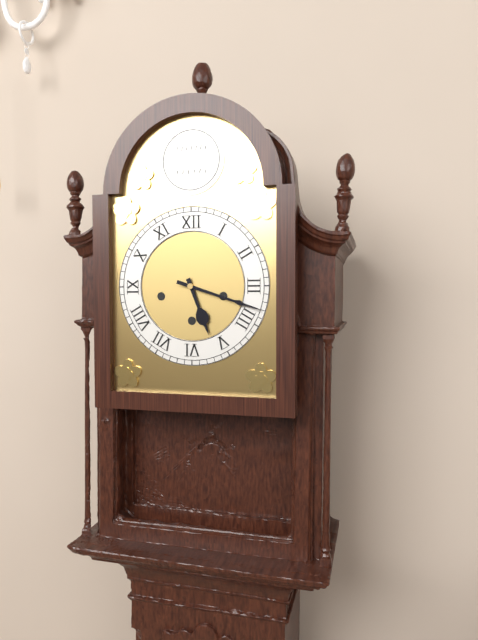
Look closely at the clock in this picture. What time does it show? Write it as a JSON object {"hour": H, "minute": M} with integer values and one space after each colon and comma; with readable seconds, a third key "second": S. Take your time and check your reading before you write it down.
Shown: {"hour": 5, "minute": 18}
